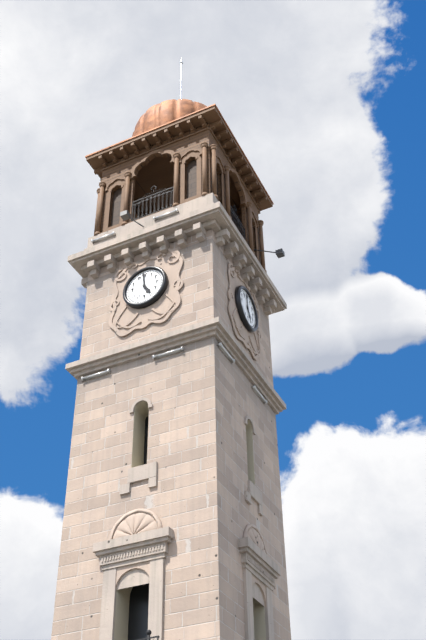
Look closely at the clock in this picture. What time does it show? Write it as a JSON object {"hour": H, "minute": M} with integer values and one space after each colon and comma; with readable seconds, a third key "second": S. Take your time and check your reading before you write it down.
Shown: {"hour": 4, "minute": 59}
